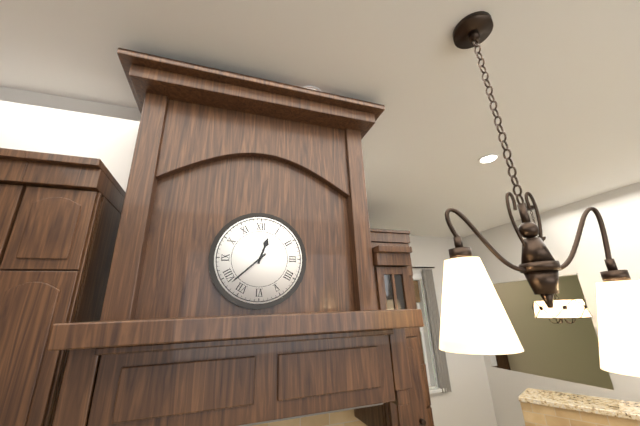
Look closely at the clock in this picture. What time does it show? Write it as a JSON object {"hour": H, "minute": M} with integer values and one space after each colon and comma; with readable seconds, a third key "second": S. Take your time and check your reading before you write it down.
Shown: {"hour": 12, "minute": 38}
